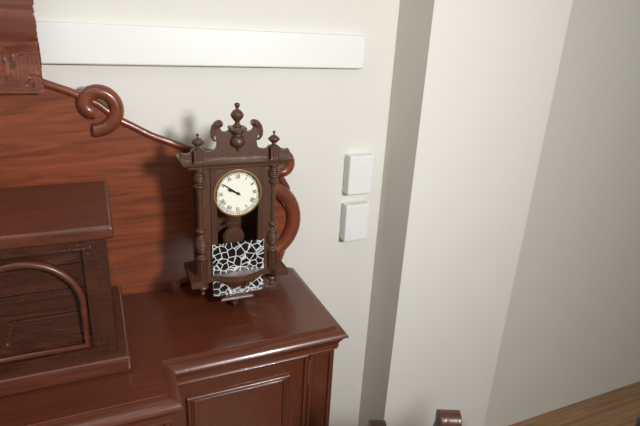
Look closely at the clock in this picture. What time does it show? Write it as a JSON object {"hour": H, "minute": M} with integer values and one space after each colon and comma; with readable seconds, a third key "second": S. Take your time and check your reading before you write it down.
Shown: {"hour": 9, "minute": 51}
